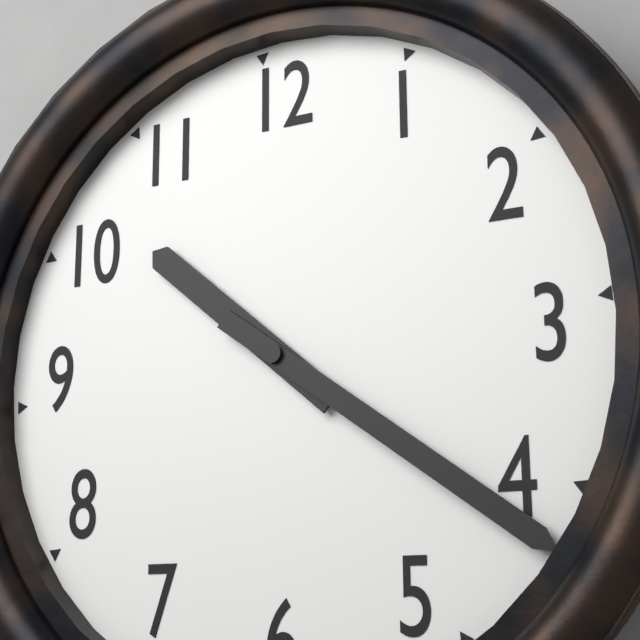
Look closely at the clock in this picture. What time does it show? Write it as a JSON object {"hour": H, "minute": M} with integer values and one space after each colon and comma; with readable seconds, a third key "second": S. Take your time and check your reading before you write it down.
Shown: {"hour": 10, "minute": 21}
